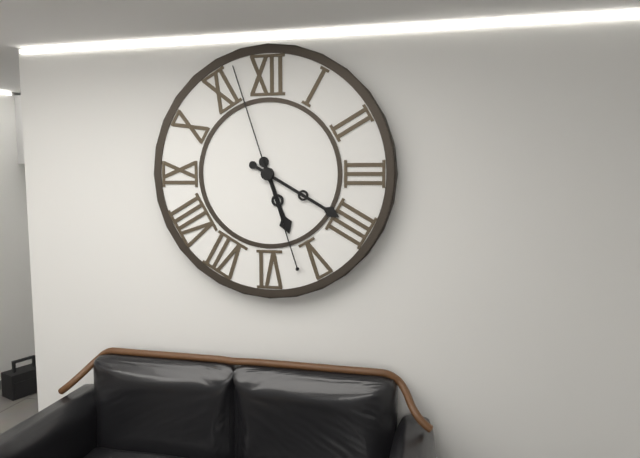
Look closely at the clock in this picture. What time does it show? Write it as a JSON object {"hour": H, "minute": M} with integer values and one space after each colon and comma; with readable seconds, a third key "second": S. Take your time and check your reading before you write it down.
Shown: {"hour": 5, "minute": 20, "second": 57}
